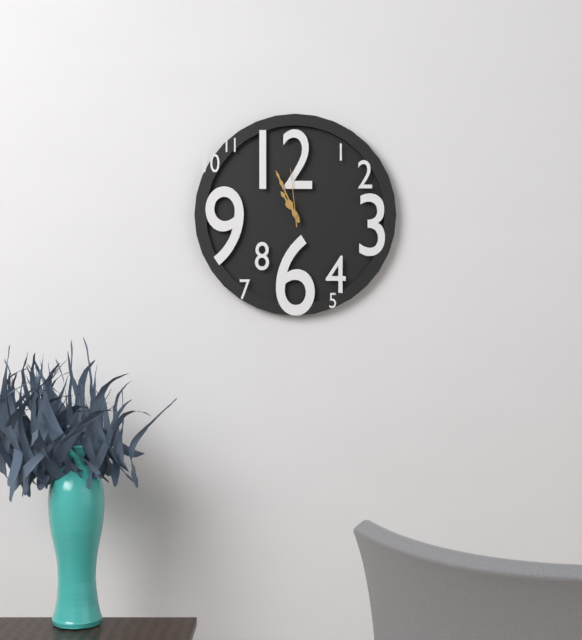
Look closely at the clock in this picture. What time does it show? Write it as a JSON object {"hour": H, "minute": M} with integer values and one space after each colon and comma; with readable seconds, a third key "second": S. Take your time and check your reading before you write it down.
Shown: {"hour": 10, "minute": 56, "second": 59}
